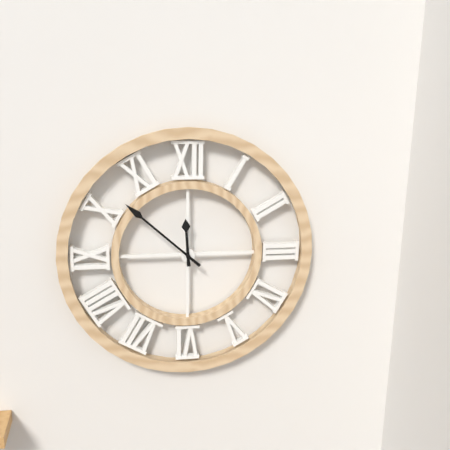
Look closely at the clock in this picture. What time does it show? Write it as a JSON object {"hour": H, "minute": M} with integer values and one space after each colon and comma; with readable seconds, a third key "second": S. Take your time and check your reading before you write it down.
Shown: {"hour": 11, "minute": 52}
